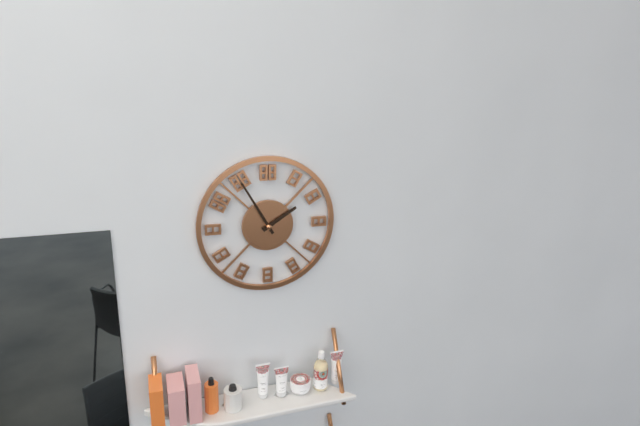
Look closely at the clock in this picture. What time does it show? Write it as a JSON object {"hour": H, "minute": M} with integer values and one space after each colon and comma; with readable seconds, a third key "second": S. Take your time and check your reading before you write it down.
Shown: {"hour": 1, "minute": 55}
